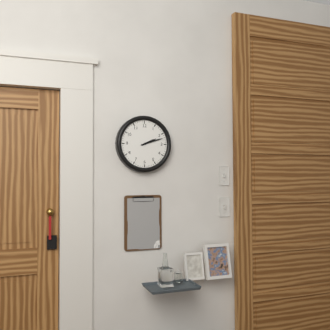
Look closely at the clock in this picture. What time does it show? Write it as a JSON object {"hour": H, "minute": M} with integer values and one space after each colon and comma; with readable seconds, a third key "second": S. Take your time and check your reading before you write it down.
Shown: {"hour": 2, "minute": 12}
